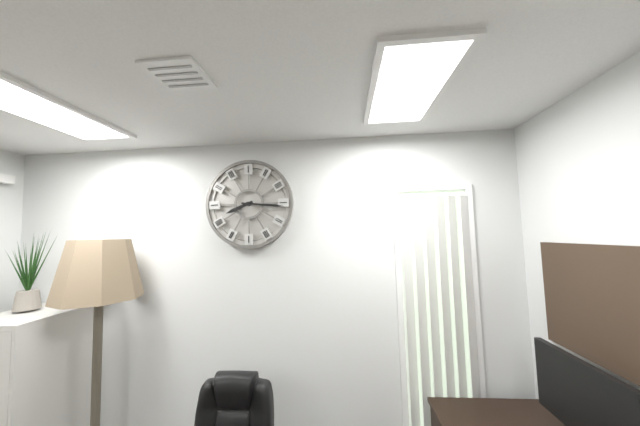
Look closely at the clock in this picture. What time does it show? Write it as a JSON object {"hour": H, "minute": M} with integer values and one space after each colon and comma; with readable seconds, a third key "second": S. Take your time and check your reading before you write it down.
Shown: {"hour": 8, "minute": 16}
